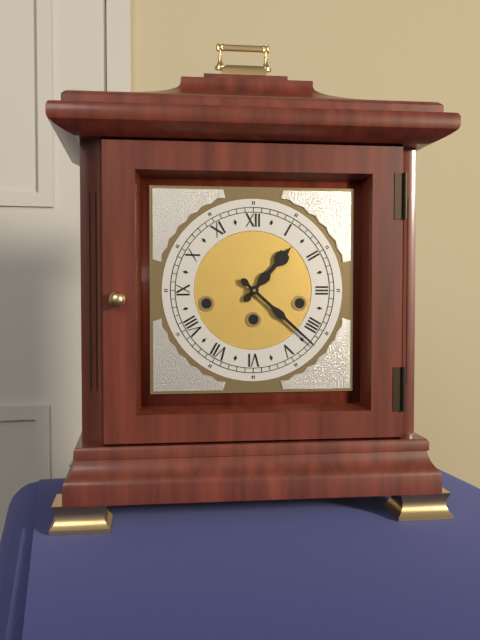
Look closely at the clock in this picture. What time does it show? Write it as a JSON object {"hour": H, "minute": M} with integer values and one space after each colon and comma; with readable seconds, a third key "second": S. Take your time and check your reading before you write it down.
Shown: {"hour": 1, "minute": 22}
